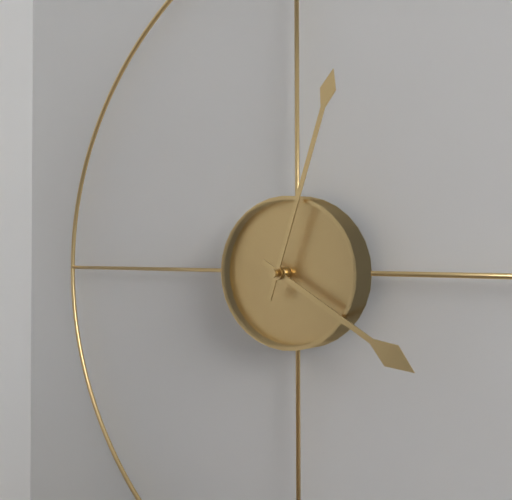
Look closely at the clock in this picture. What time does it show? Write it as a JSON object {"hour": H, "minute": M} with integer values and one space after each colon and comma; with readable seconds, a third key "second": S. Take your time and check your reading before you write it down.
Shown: {"hour": 4, "minute": 3}
